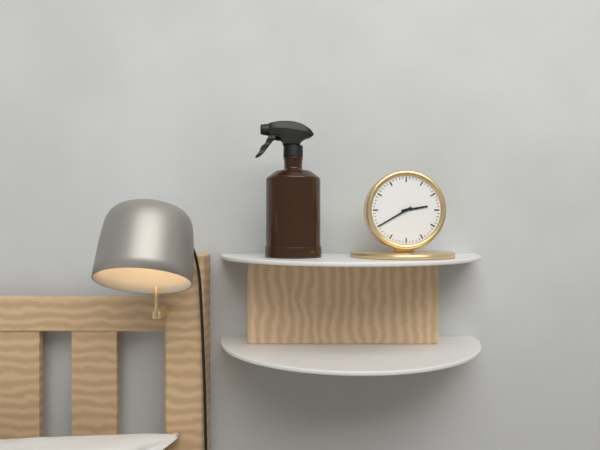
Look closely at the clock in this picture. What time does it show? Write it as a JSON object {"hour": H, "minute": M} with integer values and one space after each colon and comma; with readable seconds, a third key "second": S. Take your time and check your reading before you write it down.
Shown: {"hour": 2, "minute": 40}
